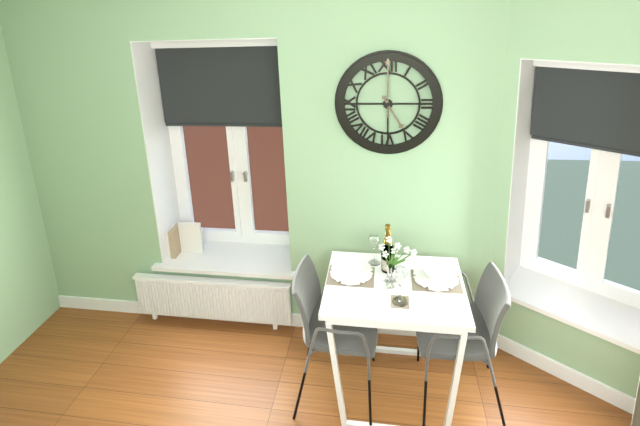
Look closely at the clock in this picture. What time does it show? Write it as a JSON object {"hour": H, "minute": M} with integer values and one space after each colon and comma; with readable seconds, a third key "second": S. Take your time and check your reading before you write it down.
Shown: {"hour": 5, "minute": 0}
